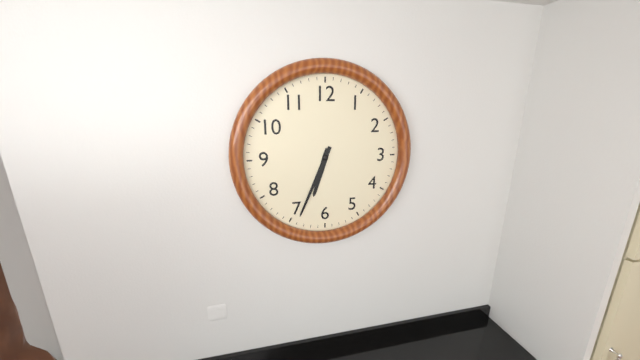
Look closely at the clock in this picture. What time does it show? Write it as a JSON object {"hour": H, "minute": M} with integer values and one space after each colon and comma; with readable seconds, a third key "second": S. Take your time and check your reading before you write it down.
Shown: {"hour": 6, "minute": 34}
